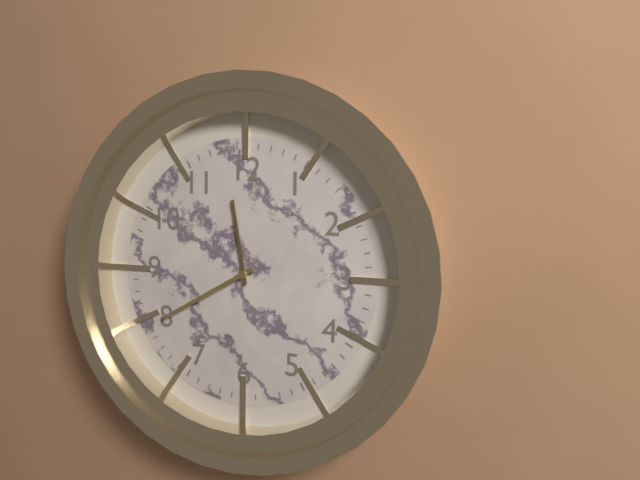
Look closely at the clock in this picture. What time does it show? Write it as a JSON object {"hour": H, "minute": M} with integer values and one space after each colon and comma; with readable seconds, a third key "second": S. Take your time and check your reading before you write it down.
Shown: {"hour": 11, "minute": 40}
